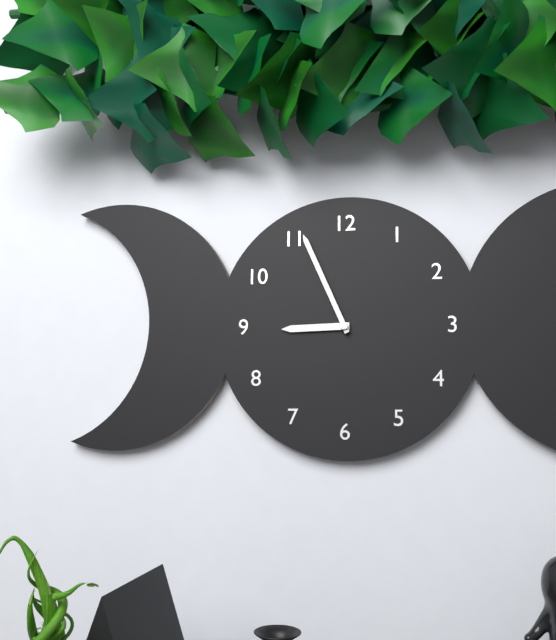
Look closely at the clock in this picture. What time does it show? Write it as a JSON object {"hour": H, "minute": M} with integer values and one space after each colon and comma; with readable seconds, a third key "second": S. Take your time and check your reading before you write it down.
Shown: {"hour": 8, "minute": 56}
